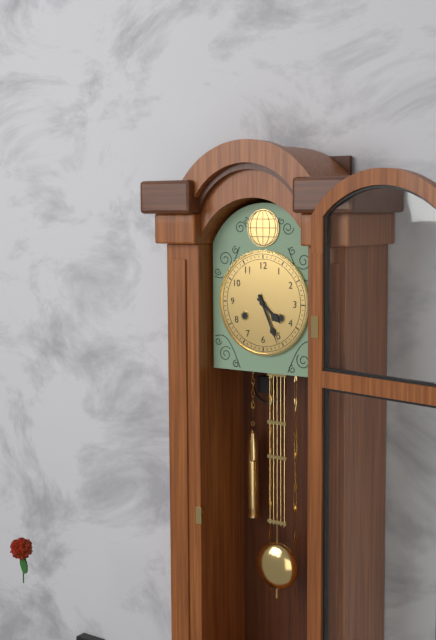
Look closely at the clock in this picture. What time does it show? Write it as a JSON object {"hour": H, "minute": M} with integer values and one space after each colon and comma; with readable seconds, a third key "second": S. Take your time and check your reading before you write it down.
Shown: {"hour": 4, "minute": 26}
